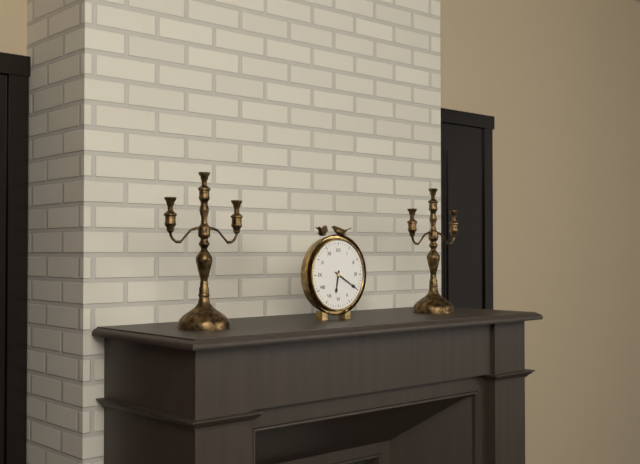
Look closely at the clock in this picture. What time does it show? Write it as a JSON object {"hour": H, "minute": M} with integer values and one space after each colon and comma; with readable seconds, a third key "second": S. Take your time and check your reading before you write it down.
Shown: {"hour": 6, "minute": 20}
